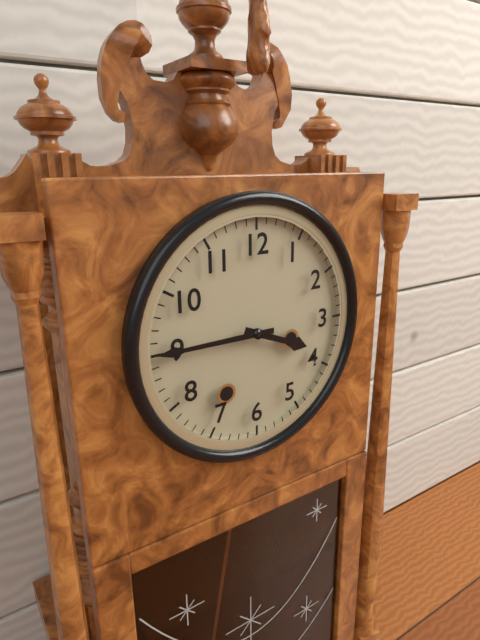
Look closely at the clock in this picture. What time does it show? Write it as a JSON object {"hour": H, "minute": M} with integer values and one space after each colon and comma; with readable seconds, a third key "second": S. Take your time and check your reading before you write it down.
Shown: {"hour": 3, "minute": 45}
